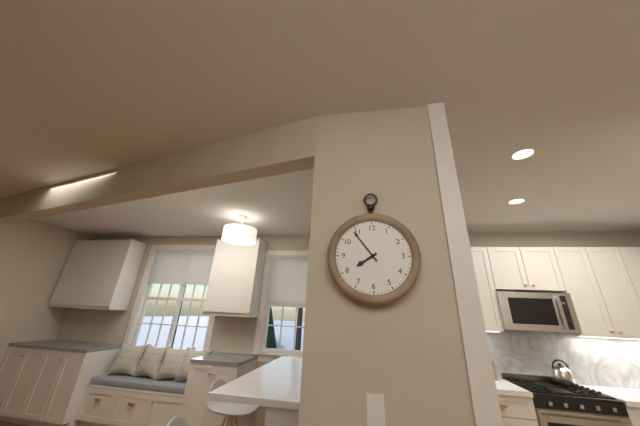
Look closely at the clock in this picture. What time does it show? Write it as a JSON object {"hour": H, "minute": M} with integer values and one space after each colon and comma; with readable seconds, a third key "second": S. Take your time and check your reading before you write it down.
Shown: {"hour": 7, "minute": 54}
